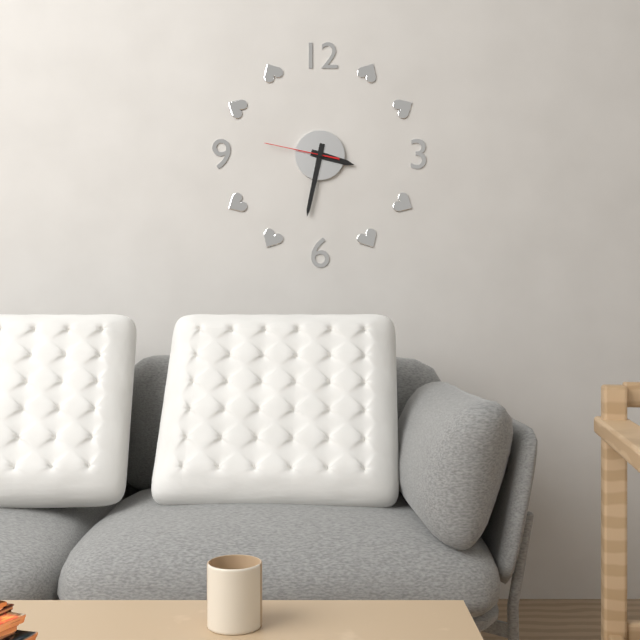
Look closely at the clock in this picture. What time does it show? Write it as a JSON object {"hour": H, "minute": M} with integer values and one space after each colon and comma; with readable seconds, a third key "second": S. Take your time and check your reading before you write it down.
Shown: {"hour": 3, "minute": 32, "second": 47}
